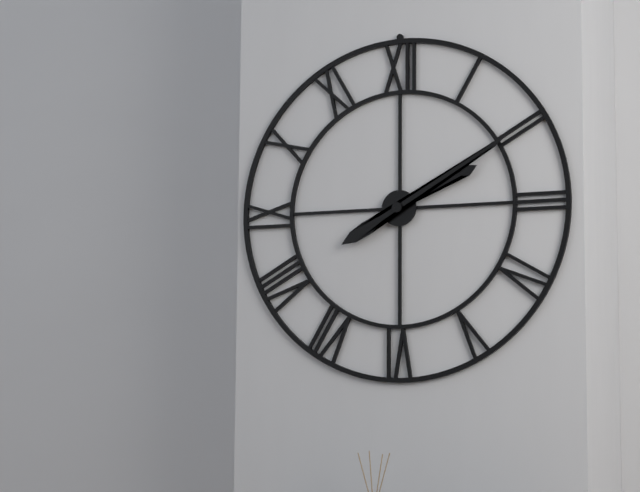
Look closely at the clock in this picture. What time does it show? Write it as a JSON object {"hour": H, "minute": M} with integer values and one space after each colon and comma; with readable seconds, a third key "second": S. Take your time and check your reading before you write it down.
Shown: {"hour": 2, "minute": 10}
